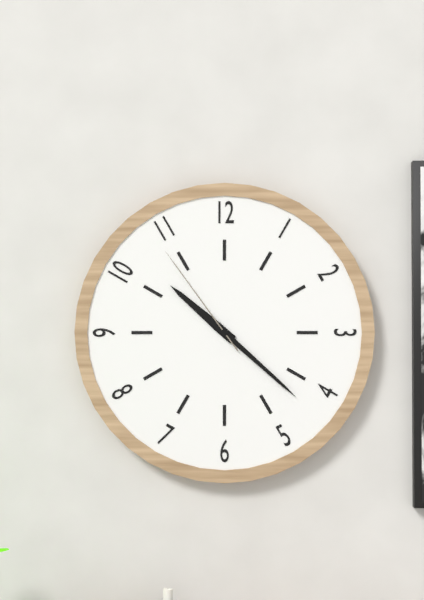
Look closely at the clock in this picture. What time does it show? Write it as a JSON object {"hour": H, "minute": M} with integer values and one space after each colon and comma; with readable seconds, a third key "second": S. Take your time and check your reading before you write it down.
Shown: {"hour": 10, "minute": 22, "second": 54}
